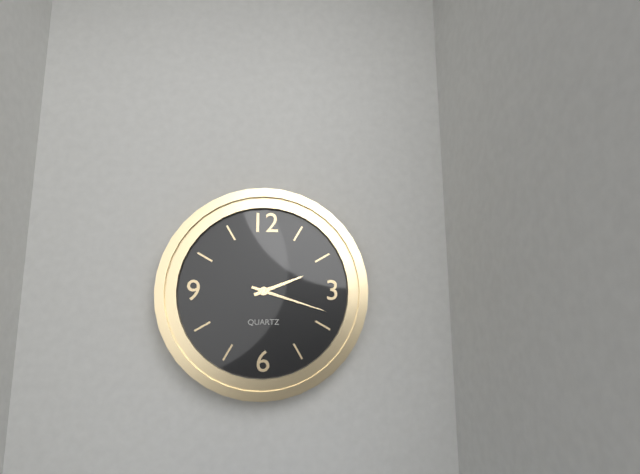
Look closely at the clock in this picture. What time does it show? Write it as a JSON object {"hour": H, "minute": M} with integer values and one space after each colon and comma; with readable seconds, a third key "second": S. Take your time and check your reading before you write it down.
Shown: {"hour": 2, "minute": 18}
